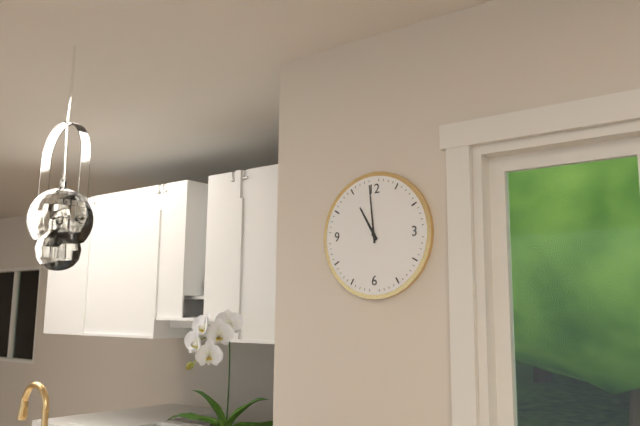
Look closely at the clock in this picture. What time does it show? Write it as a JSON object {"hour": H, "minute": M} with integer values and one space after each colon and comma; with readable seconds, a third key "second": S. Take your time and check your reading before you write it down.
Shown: {"hour": 10, "minute": 59}
